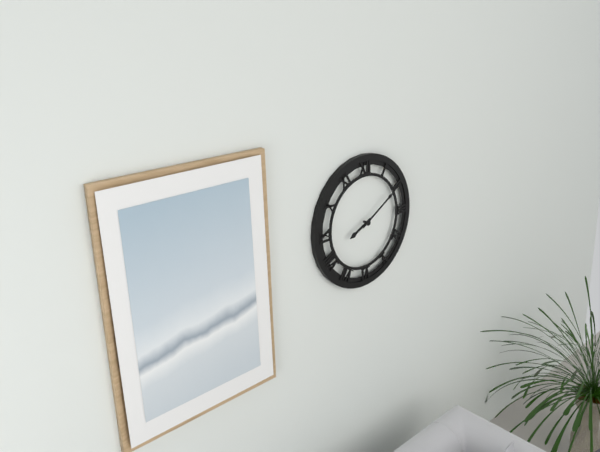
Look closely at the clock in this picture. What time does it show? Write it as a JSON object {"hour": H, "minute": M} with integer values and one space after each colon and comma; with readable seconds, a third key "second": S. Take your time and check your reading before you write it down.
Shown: {"hour": 8, "minute": 10}
